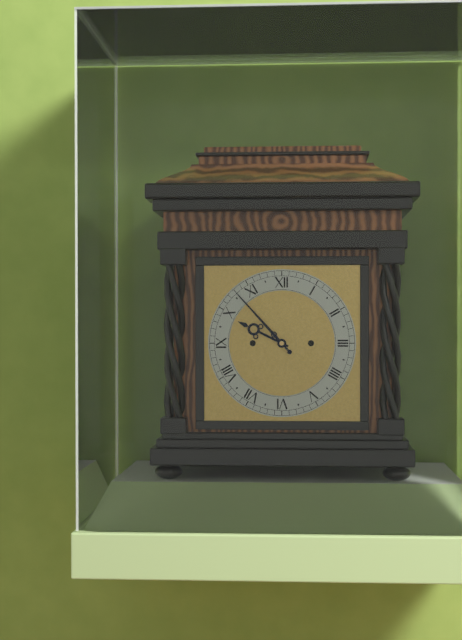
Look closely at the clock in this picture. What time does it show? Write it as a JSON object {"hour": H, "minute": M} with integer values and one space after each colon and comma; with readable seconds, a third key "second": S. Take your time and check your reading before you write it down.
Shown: {"hour": 9, "minute": 53}
